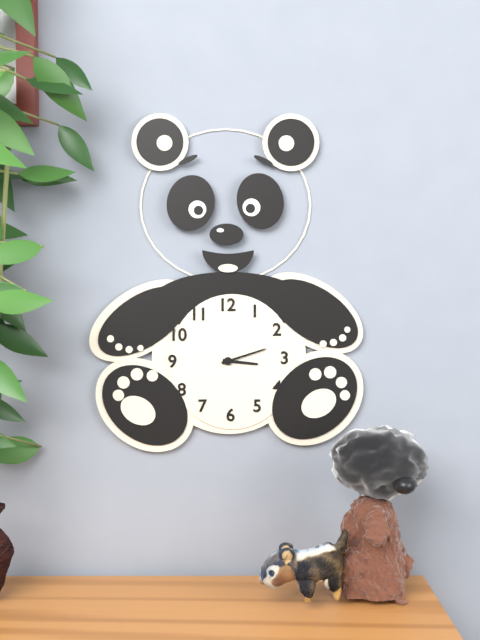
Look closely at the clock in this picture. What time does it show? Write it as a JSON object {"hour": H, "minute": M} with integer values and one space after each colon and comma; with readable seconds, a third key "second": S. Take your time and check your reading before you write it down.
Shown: {"hour": 3, "minute": 12}
